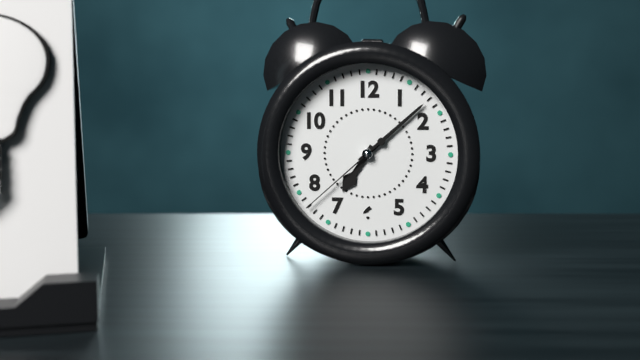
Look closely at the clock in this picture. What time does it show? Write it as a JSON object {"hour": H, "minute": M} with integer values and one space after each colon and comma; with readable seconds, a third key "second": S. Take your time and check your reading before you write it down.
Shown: {"hour": 7, "minute": 8, "second": 38}
